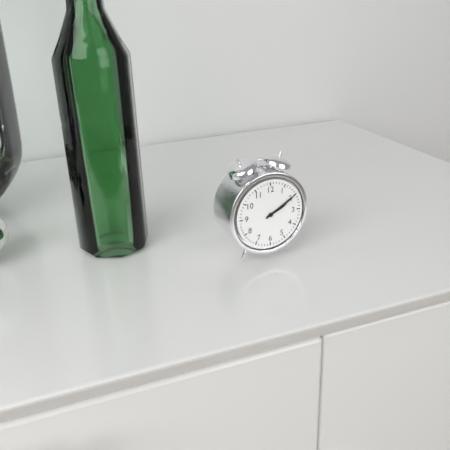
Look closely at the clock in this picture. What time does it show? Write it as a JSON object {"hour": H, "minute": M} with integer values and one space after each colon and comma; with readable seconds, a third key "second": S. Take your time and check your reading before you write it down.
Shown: {"hour": 2, "minute": 10}
